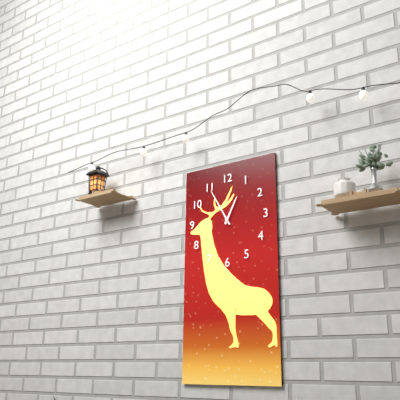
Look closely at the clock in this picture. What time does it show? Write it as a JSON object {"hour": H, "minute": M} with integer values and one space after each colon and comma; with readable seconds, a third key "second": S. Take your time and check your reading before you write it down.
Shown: {"hour": 12, "minute": 55}
